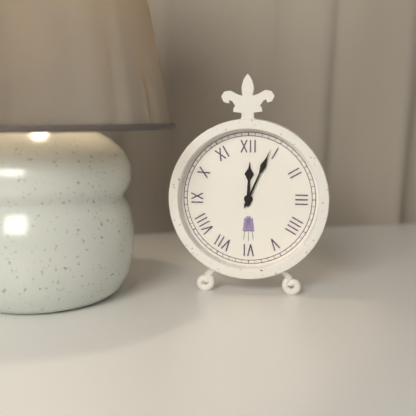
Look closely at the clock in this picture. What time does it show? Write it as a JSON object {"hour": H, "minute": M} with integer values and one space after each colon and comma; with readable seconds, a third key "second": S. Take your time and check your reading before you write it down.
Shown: {"hour": 12, "minute": 4}
